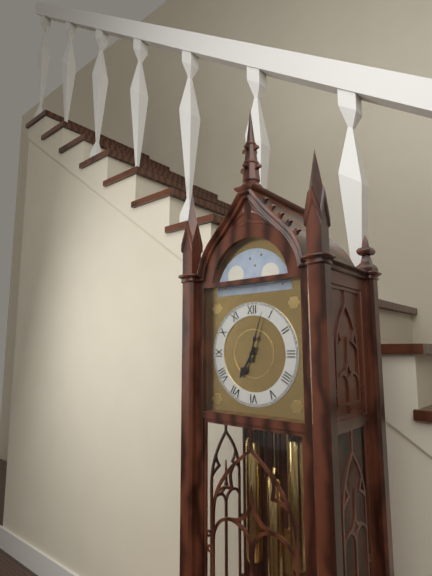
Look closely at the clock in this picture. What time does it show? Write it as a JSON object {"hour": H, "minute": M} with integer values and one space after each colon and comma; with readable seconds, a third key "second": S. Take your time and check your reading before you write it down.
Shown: {"hour": 7, "minute": 3}
